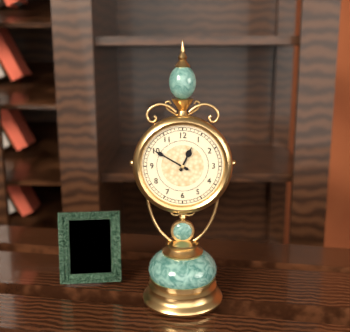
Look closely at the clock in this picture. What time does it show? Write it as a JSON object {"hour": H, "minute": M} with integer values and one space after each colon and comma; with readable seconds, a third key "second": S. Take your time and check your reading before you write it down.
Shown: {"hour": 12, "minute": 50}
